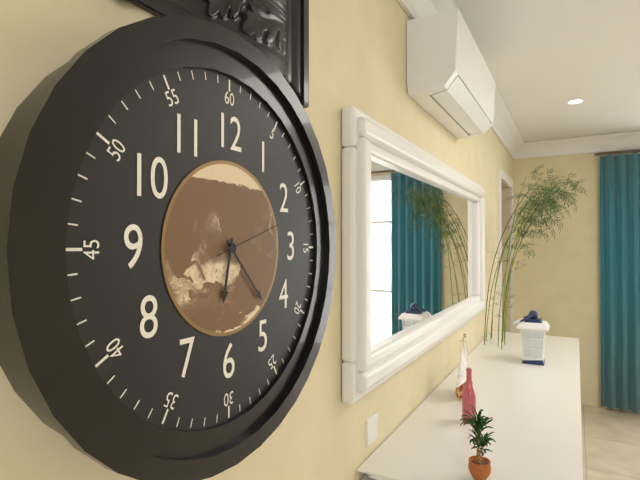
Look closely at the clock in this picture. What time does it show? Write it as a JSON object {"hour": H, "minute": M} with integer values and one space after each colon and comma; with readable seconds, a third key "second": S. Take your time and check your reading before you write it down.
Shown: {"hour": 6, "minute": 23, "second": 12}
